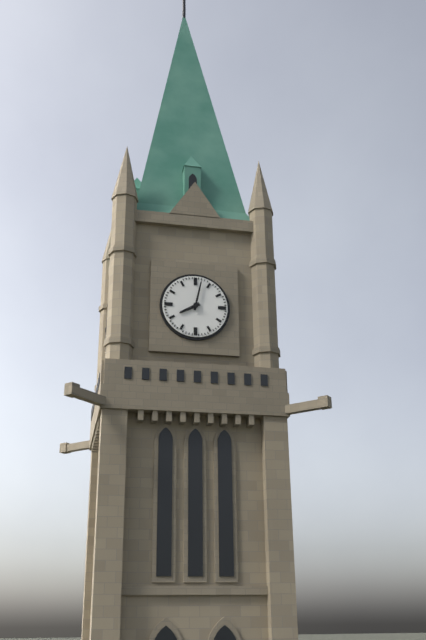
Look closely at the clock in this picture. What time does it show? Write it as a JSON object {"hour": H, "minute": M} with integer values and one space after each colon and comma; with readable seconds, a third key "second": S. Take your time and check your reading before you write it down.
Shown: {"hour": 8, "minute": 2}
